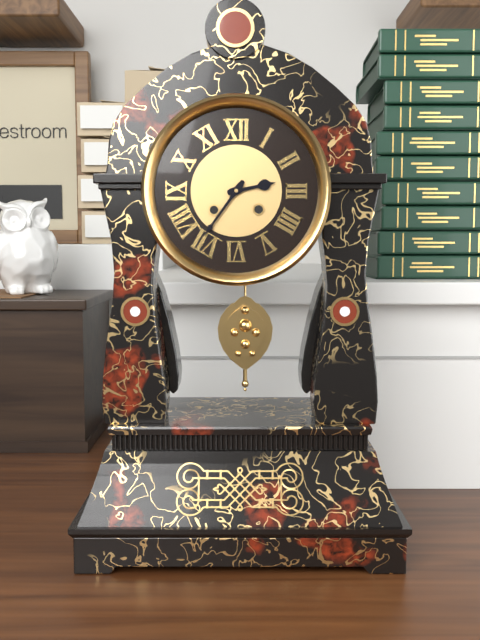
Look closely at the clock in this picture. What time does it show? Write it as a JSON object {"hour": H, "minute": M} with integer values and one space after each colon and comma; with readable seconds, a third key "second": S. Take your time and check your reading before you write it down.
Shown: {"hour": 2, "minute": 36}
